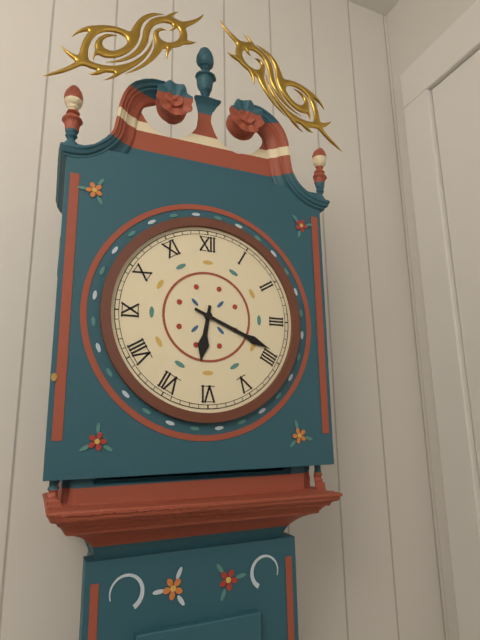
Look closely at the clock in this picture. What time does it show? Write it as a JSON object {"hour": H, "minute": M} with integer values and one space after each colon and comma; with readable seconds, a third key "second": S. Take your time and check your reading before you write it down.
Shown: {"hour": 6, "minute": 19}
